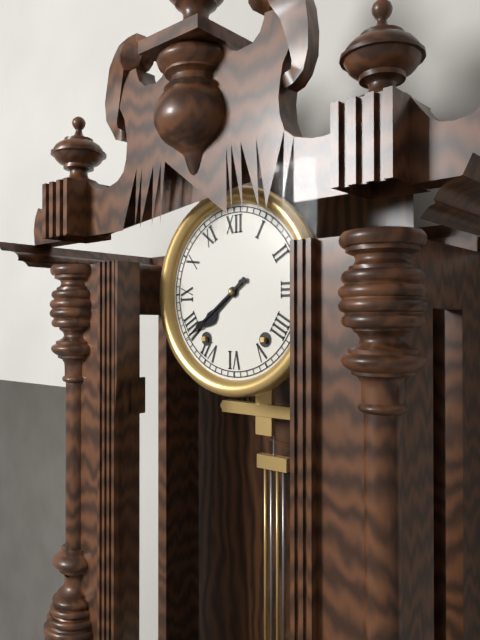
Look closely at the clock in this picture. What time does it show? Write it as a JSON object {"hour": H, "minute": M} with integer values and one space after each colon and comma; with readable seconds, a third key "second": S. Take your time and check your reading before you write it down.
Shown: {"hour": 7, "minute": 39}
